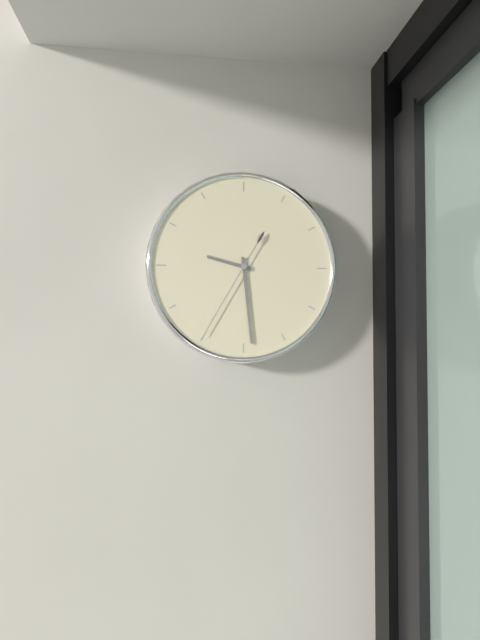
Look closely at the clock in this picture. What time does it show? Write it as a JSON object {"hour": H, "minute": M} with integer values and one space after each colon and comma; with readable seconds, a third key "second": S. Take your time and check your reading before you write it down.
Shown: {"hour": 9, "minute": 29, "second": 35}
